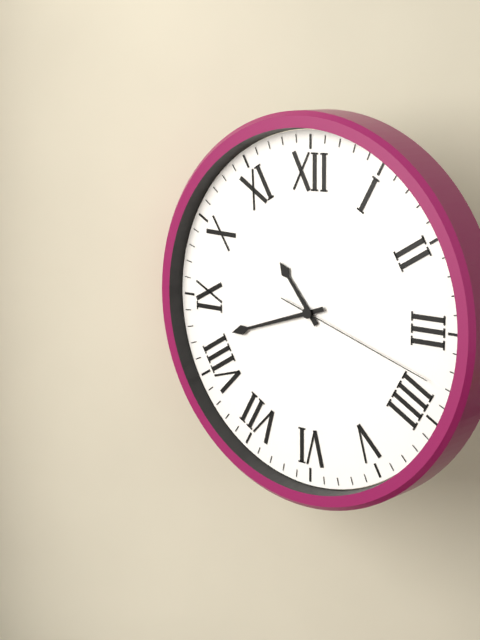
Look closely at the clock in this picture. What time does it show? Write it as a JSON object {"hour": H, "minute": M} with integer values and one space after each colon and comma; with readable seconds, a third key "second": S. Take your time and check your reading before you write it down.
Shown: {"hour": 10, "minute": 42, "second": 18}
